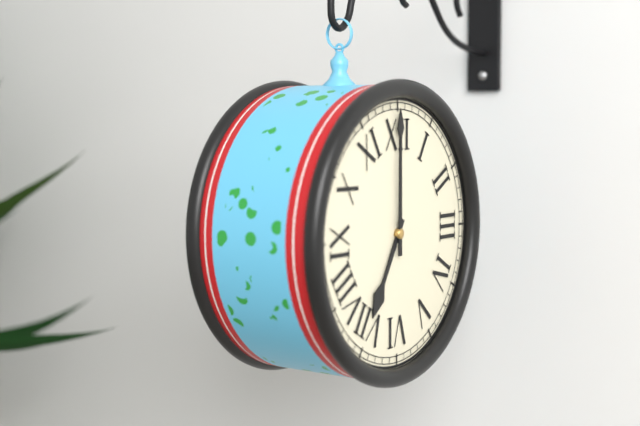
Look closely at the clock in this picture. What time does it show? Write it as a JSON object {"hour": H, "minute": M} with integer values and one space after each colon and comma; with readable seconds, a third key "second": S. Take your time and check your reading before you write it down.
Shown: {"hour": 7, "minute": 0}
